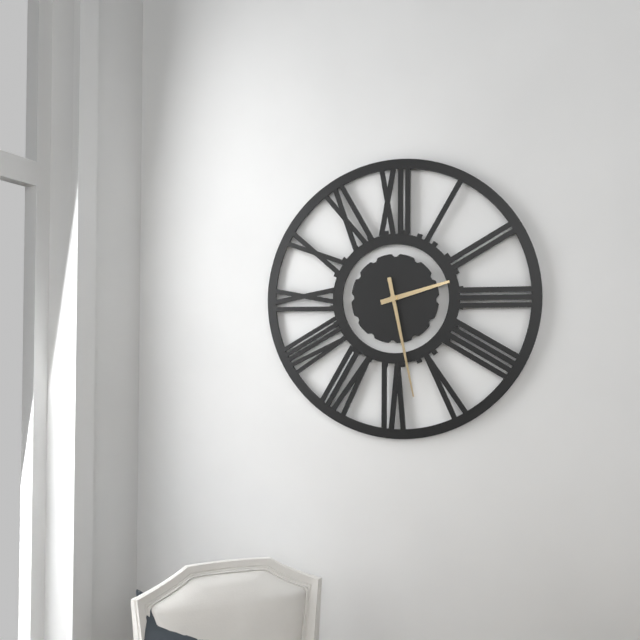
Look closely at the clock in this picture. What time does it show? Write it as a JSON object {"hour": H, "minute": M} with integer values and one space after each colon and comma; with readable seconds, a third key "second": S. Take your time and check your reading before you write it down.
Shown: {"hour": 2, "minute": 28}
